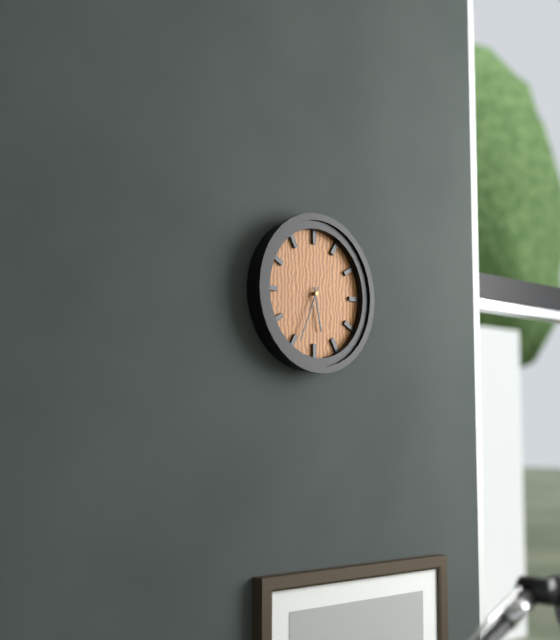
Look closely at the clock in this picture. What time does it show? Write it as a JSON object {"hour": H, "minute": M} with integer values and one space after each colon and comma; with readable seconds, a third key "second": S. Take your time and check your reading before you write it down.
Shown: {"hour": 5, "minute": 34}
